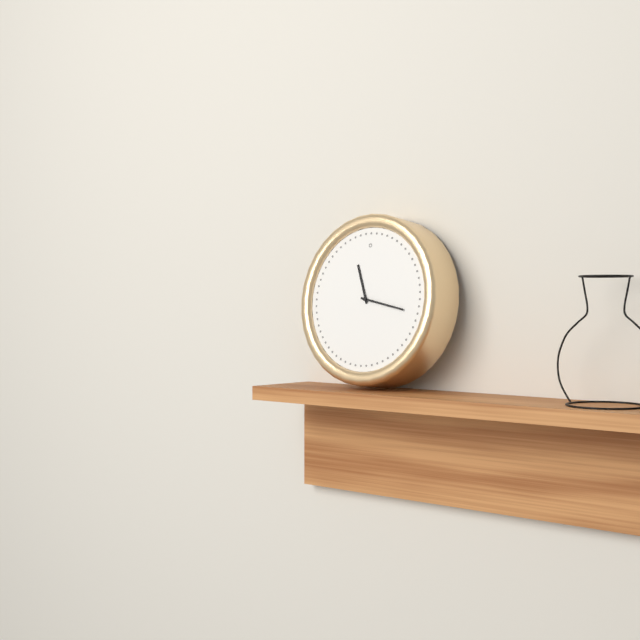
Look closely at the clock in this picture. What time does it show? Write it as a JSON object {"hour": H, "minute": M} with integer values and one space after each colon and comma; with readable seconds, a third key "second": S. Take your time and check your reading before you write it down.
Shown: {"hour": 11, "minute": 17}
